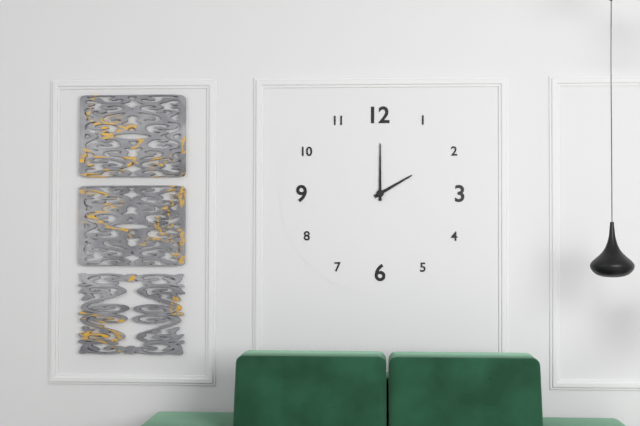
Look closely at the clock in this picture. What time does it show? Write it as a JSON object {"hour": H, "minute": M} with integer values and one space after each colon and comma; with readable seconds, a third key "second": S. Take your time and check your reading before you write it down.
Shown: {"hour": 2, "minute": 0}
